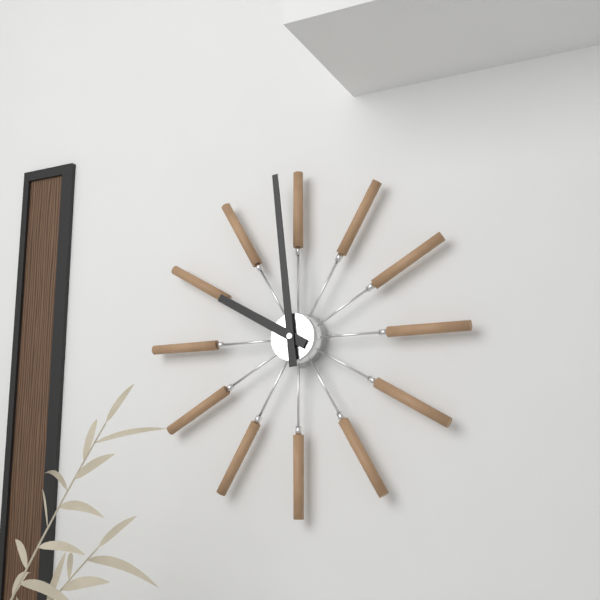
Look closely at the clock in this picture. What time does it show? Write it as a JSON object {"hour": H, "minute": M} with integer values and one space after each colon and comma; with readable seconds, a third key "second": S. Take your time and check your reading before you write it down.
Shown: {"hour": 9, "minute": 59}
